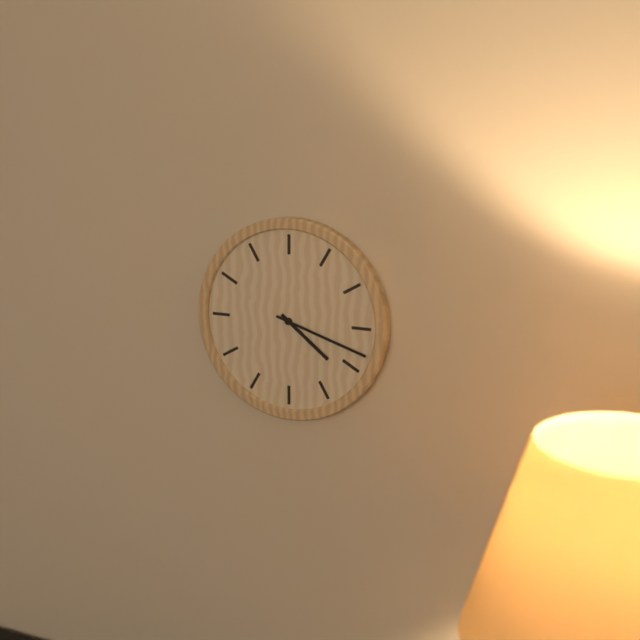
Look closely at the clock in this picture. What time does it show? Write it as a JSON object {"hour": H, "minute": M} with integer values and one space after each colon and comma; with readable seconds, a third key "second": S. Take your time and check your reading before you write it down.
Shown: {"hour": 4, "minute": 18}
